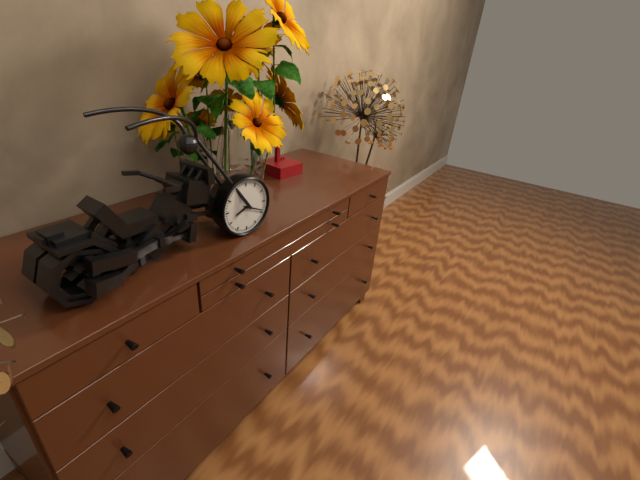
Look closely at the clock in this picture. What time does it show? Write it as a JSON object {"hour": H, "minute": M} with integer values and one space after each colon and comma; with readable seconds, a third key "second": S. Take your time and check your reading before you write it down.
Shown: {"hour": 8, "minute": 19}
